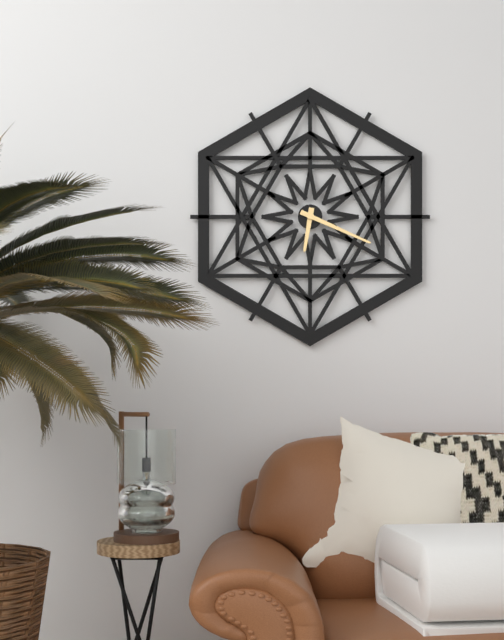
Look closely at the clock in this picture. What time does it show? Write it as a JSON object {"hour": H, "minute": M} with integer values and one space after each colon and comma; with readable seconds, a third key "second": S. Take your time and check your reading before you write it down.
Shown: {"hour": 6, "minute": 19}
